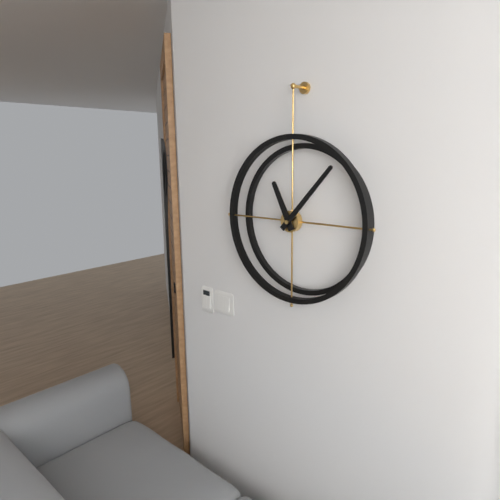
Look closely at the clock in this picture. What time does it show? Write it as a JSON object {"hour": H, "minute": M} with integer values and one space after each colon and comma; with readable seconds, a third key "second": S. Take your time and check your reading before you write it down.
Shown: {"hour": 11, "minute": 7}
